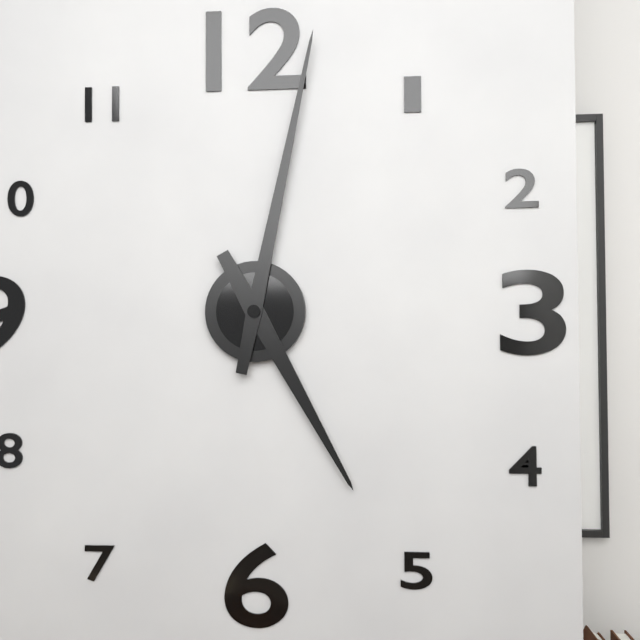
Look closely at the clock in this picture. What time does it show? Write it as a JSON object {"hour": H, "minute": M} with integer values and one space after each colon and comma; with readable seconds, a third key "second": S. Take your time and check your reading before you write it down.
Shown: {"hour": 5, "minute": 2}
